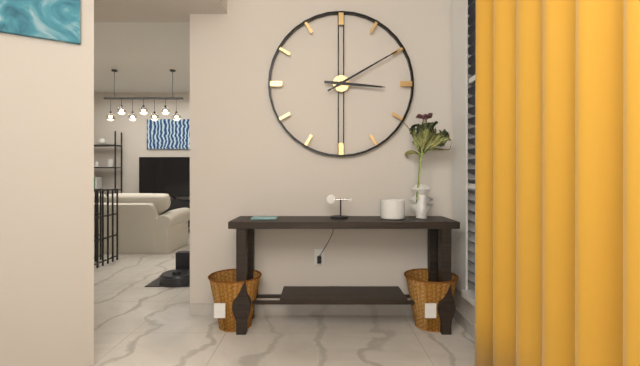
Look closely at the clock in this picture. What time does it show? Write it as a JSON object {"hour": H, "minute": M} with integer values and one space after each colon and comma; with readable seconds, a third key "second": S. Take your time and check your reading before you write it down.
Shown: {"hour": 3, "minute": 10}
